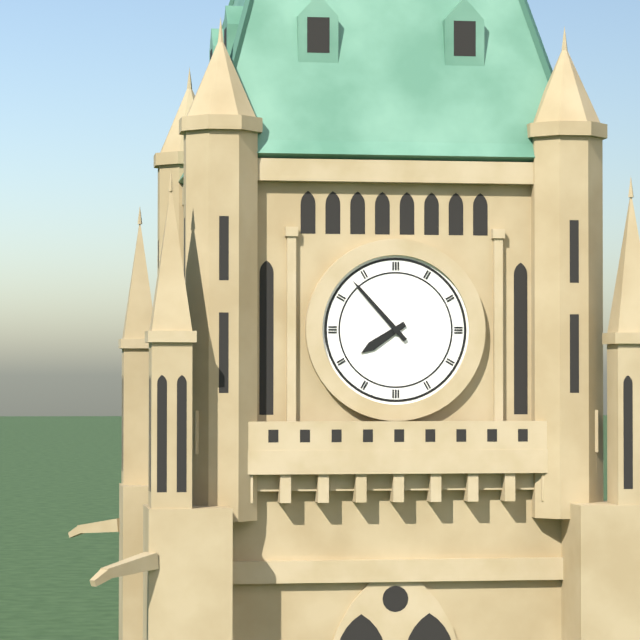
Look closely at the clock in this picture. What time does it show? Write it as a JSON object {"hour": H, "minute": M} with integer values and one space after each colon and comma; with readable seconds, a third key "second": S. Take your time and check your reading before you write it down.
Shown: {"hour": 7, "minute": 53}
